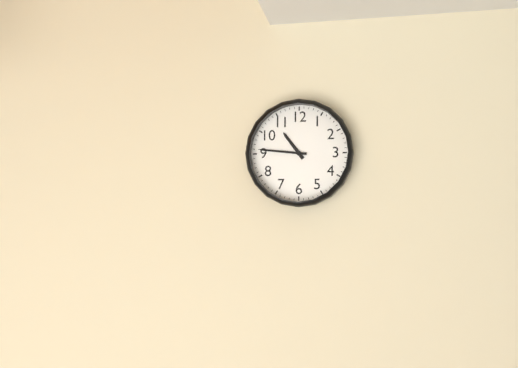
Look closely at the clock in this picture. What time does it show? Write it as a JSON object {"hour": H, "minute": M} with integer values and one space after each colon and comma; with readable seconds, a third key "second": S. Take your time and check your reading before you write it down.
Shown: {"hour": 10, "minute": 46}
